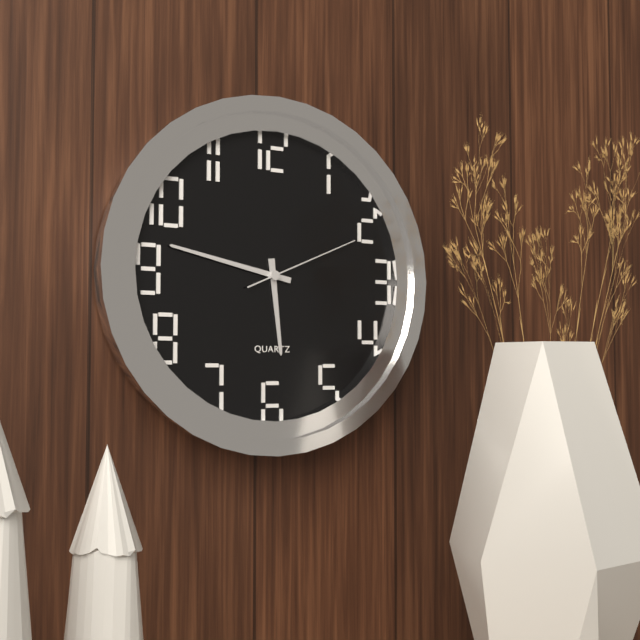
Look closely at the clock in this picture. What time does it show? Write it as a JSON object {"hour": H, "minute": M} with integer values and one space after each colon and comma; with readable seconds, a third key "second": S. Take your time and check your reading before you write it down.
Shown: {"hour": 5, "minute": 47, "second": 11}
